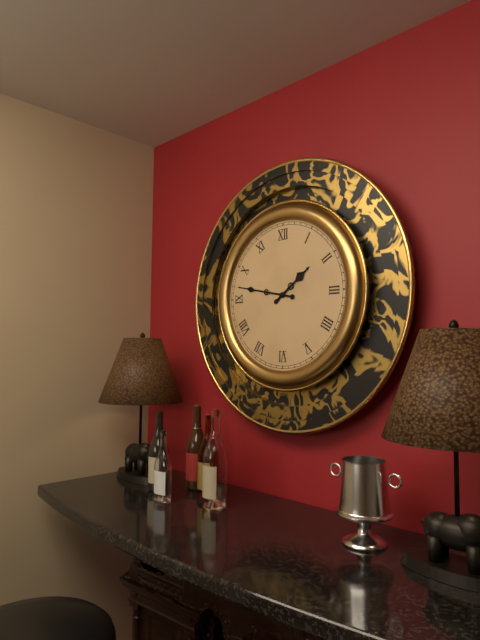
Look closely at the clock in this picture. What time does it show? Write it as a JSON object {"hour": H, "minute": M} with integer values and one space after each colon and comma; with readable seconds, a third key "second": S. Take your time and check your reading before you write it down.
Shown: {"hour": 1, "minute": 47}
